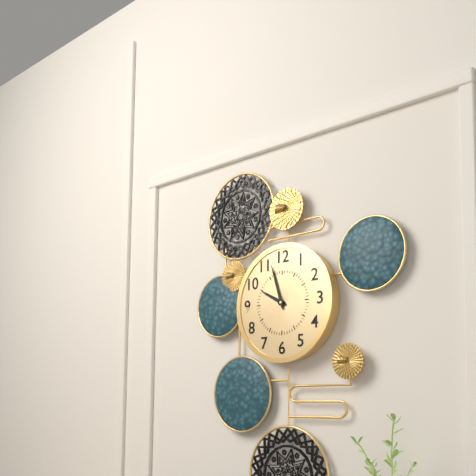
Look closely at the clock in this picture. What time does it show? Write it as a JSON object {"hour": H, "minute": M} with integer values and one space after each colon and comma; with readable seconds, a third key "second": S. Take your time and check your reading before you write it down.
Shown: {"hour": 9, "minute": 57}
